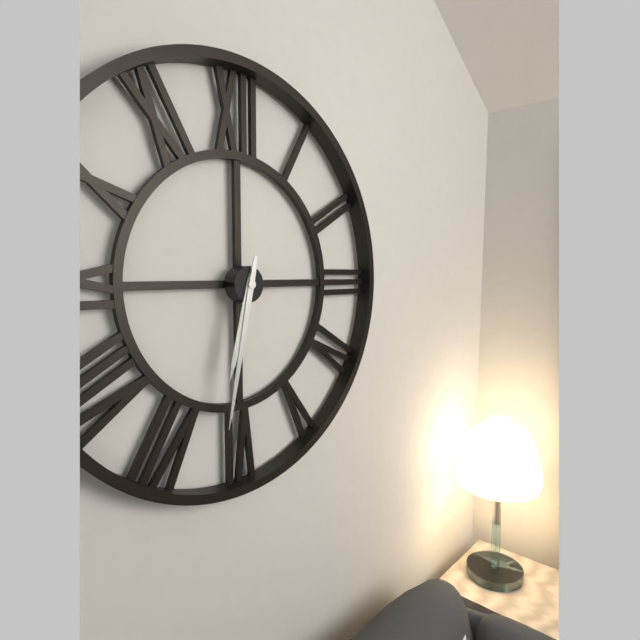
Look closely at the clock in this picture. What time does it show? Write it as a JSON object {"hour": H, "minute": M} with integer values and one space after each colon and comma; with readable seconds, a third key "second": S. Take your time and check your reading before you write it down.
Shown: {"hour": 6, "minute": 32}
